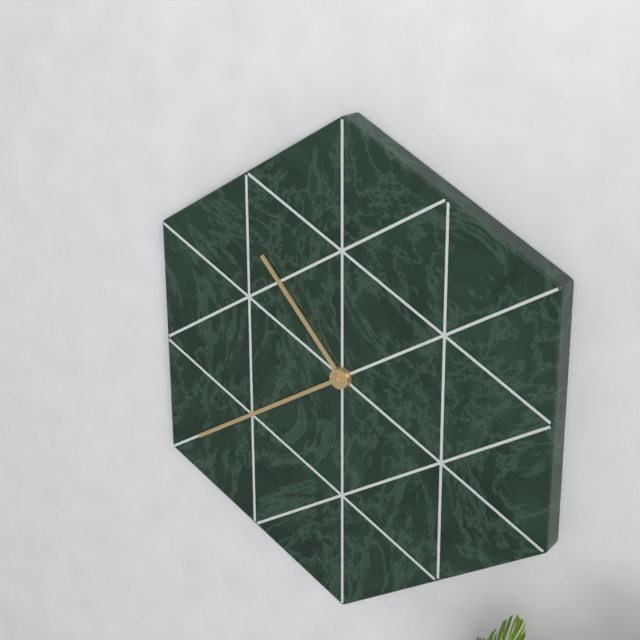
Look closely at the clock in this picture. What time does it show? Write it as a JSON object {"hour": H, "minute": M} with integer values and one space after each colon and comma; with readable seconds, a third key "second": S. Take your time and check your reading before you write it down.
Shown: {"hour": 10, "minute": 40}
